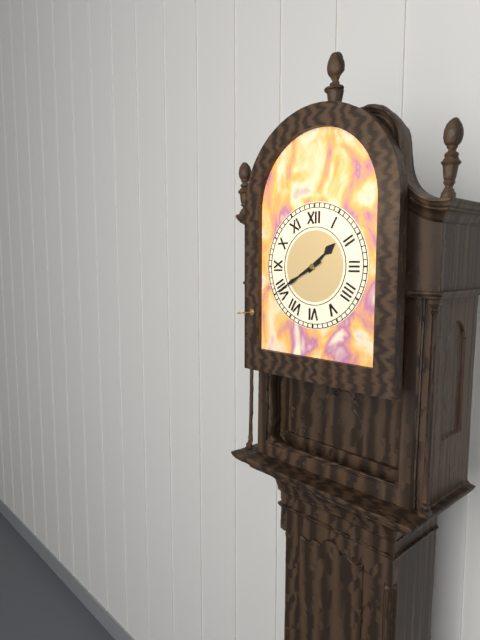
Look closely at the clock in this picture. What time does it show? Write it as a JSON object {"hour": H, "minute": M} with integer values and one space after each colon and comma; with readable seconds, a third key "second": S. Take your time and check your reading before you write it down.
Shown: {"hour": 1, "minute": 40}
